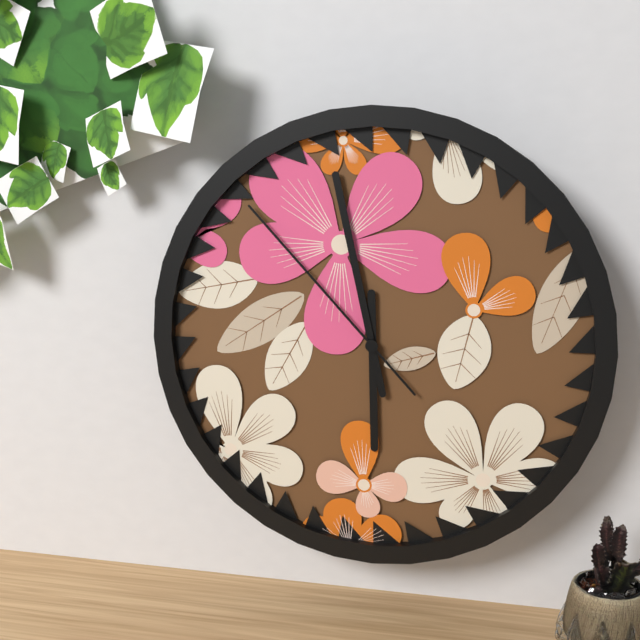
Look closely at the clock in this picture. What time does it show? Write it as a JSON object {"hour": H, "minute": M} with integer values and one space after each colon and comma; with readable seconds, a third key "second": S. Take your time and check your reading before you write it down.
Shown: {"hour": 5, "minute": 58, "second": 53}
